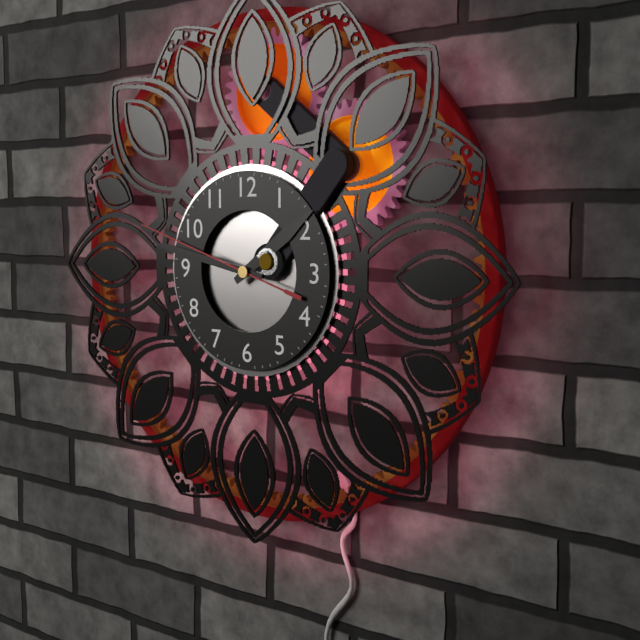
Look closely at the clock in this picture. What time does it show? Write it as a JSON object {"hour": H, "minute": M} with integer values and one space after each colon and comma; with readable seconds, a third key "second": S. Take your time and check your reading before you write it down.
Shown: {"hour": 1, "minute": 47, "second": 48}
